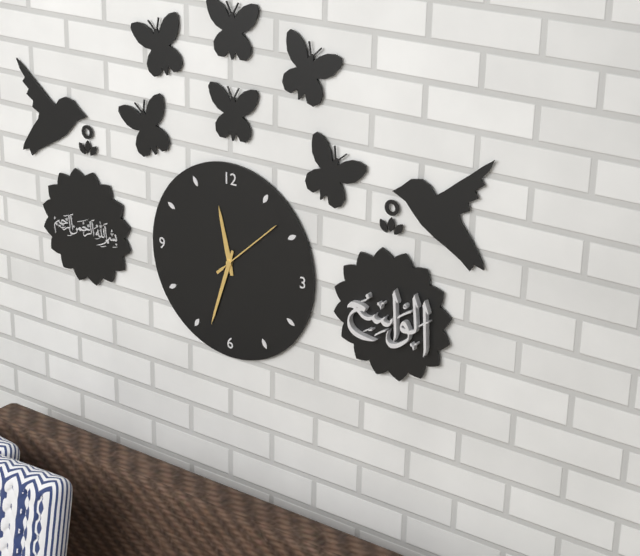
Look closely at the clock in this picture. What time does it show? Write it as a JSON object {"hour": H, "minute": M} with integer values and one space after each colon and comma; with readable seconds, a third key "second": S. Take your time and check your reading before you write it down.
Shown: {"hour": 11, "minute": 33, "second": 8}
